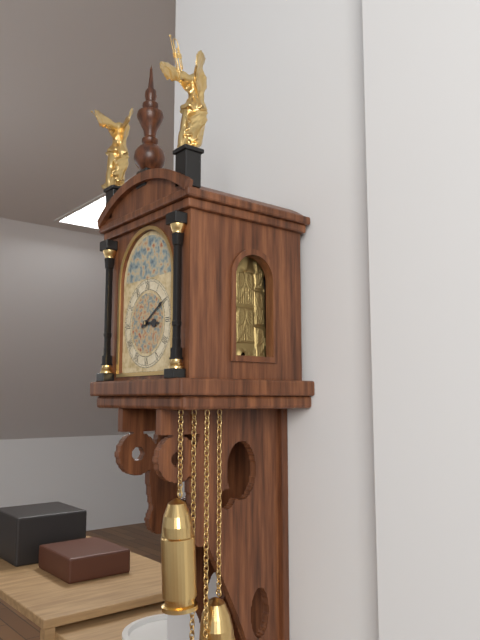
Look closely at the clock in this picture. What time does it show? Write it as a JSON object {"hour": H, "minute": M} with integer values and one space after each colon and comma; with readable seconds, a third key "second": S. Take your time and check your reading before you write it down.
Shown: {"hour": 3, "minute": 10}
